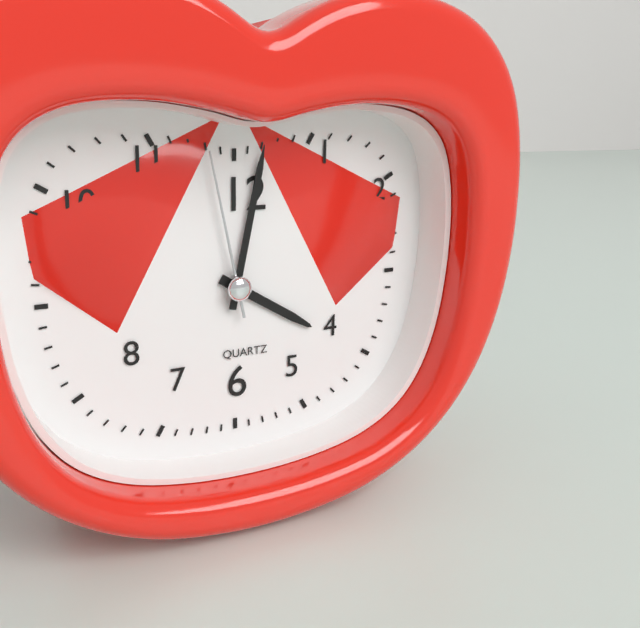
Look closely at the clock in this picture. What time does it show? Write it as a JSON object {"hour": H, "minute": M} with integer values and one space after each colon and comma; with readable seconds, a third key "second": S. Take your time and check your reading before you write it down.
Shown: {"hour": 4, "minute": 2, "second": 58}
